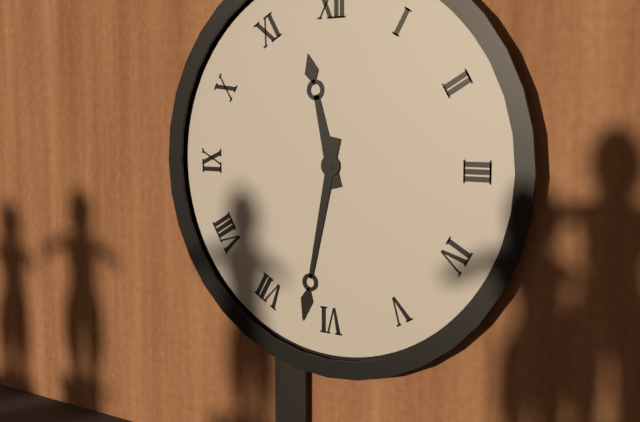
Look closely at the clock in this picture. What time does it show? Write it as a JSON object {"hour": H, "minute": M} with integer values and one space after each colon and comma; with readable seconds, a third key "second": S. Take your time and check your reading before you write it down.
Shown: {"hour": 11, "minute": 32}
